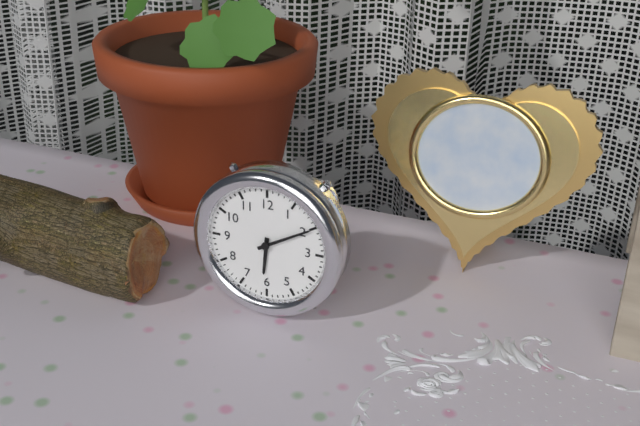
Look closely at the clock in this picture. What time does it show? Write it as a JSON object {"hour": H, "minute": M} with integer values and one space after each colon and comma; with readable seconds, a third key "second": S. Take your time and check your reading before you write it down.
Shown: {"hour": 6, "minute": 10}
